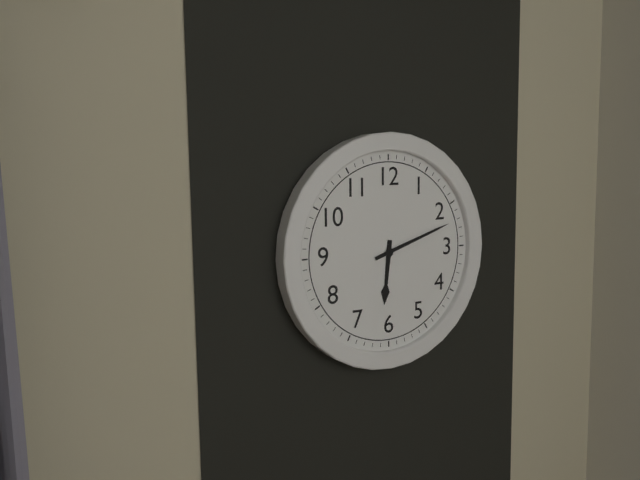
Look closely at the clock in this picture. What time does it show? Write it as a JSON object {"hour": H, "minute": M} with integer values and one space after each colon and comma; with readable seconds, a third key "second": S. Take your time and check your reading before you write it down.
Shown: {"hour": 6, "minute": 12}
